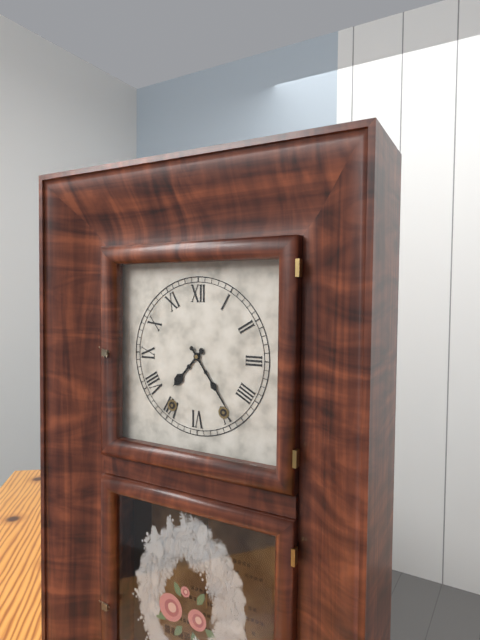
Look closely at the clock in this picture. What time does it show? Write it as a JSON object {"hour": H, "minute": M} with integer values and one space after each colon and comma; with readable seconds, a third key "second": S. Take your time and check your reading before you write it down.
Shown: {"hour": 7, "minute": 24}
